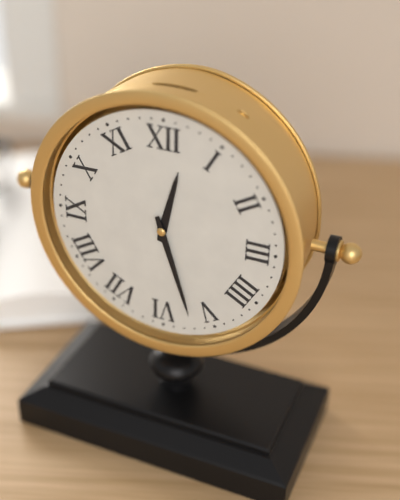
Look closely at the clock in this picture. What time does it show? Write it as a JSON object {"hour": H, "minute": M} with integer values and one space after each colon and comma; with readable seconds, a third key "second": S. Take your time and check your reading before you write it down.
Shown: {"hour": 12, "minute": 27}
